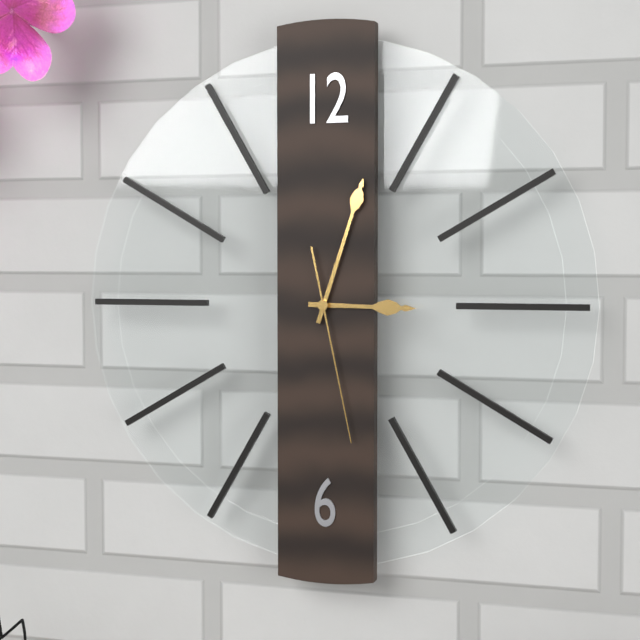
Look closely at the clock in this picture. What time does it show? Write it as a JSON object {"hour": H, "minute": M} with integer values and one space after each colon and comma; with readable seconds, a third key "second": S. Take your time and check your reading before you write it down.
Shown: {"hour": 3, "minute": 3, "second": 28}
